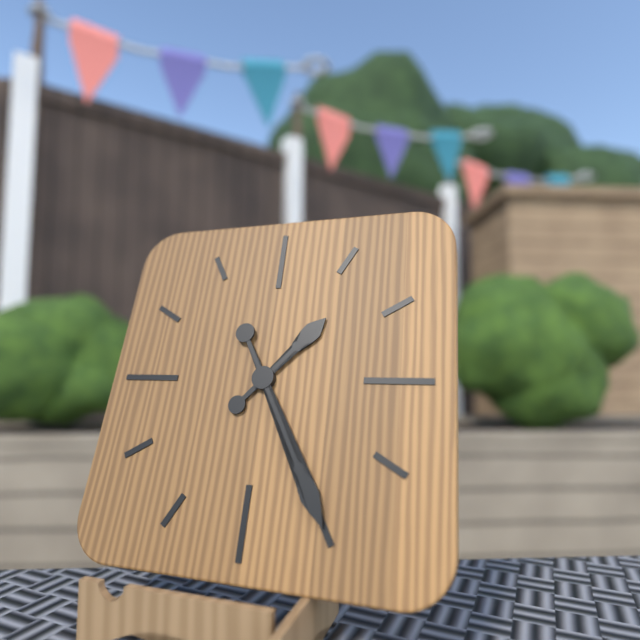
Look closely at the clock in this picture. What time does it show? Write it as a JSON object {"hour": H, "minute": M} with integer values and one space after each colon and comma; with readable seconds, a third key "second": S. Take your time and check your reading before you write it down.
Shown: {"hour": 1, "minute": 25}
